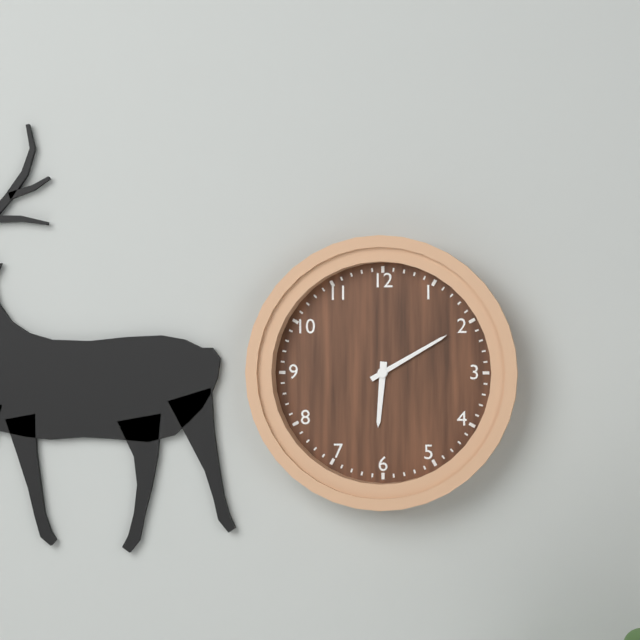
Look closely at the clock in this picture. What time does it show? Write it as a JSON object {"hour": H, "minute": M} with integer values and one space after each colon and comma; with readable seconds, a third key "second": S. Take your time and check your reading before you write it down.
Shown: {"hour": 6, "minute": 10}
